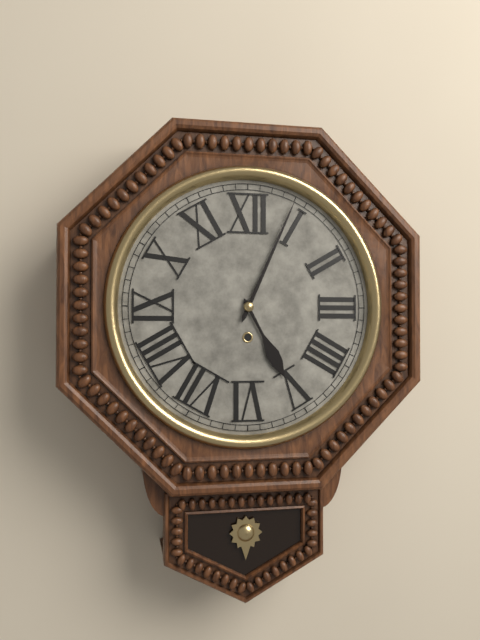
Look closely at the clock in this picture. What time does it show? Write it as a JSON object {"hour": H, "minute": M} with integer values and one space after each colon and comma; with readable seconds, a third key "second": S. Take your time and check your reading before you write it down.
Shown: {"hour": 5, "minute": 4}
